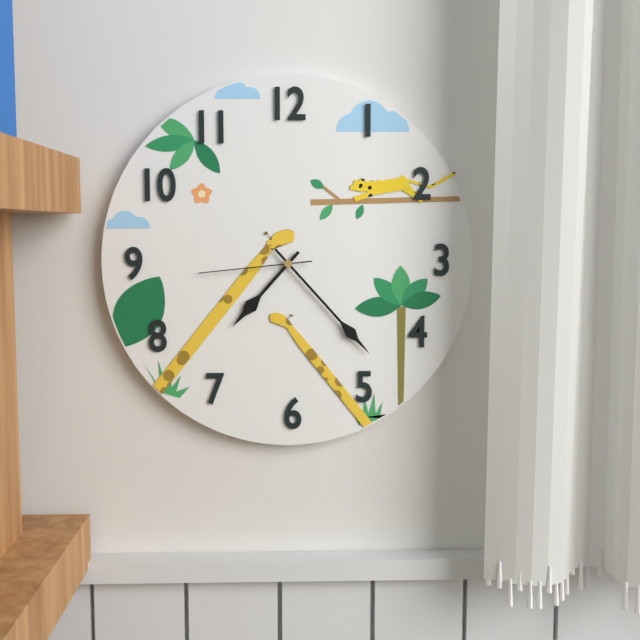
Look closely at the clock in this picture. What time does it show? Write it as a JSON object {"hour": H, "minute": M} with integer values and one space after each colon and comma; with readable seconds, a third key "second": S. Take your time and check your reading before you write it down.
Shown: {"hour": 7, "minute": 23, "second": 44}
